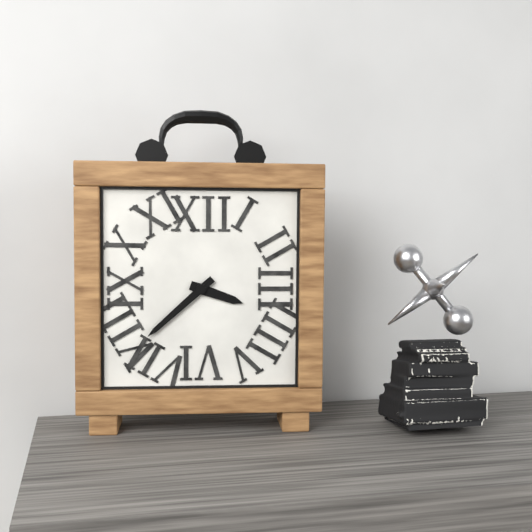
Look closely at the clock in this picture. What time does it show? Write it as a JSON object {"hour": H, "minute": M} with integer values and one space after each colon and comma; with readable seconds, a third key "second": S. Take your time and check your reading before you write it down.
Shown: {"hour": 3, "minute": 38}
